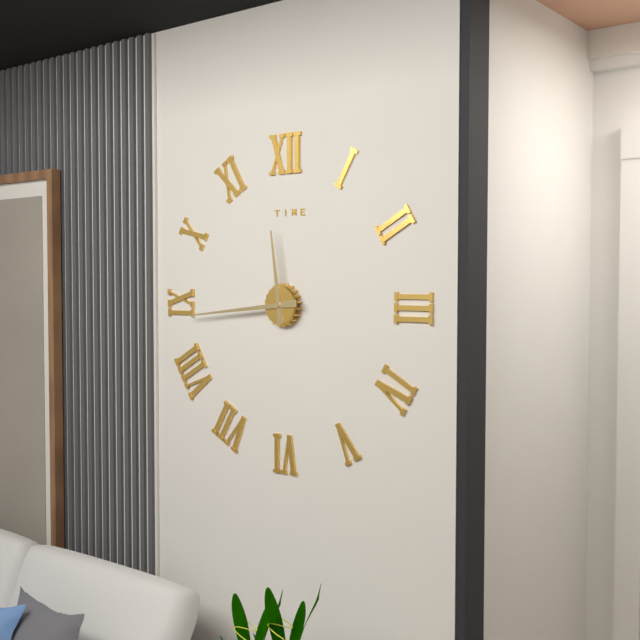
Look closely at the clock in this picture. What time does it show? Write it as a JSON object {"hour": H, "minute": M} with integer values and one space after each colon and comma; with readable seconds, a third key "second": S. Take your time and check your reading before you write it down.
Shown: {"hour": 11, "minute": 44}
